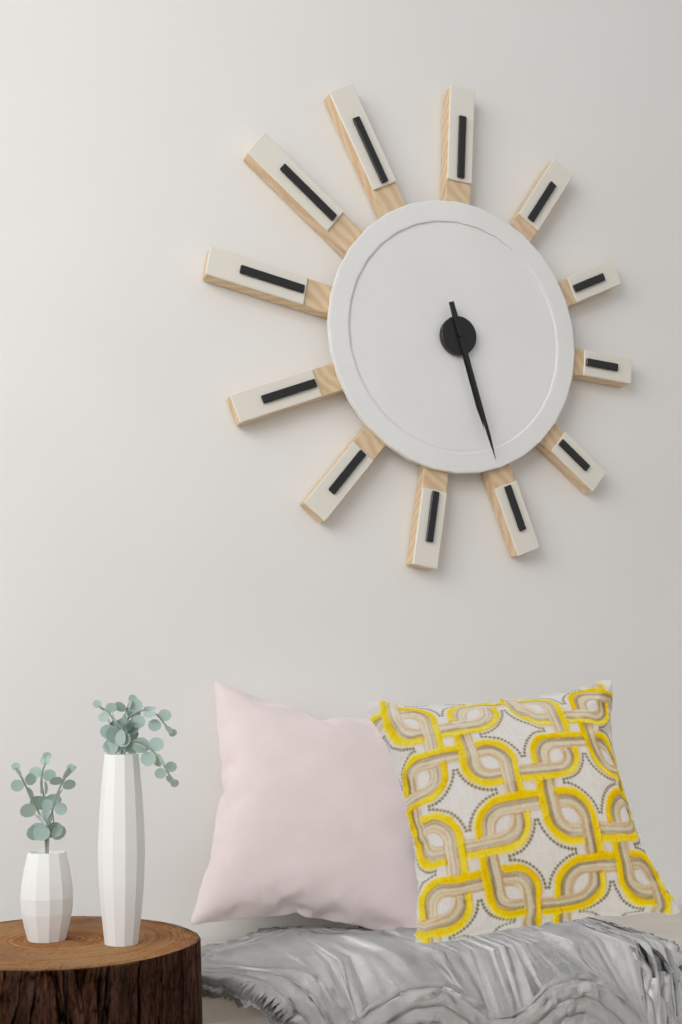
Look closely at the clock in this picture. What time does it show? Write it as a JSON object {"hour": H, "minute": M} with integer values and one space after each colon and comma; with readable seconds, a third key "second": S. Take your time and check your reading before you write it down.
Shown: {"hour": 5, "minute": 27}
